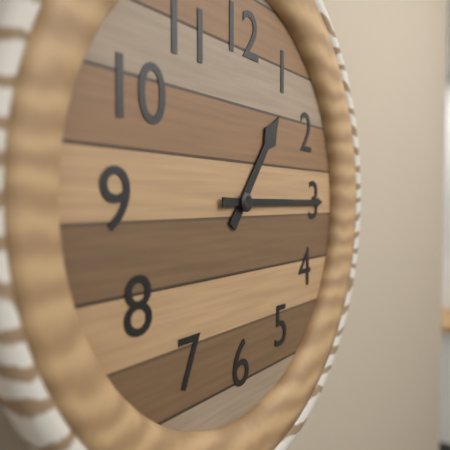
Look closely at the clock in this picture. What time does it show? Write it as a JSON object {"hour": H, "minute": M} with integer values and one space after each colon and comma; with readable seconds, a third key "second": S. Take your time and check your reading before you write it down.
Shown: {"hour": 1, "minute": 15}
